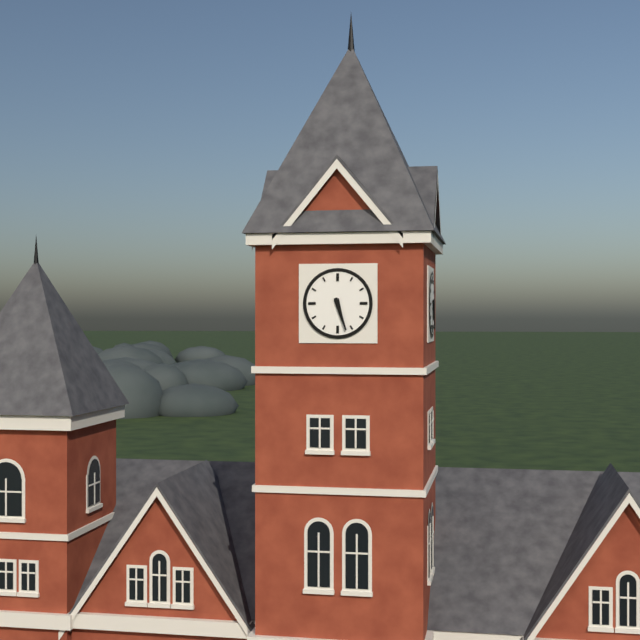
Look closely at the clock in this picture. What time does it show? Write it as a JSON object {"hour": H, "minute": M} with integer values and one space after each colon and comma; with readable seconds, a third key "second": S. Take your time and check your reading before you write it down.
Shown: {"hour": 5, "minute": 27}
